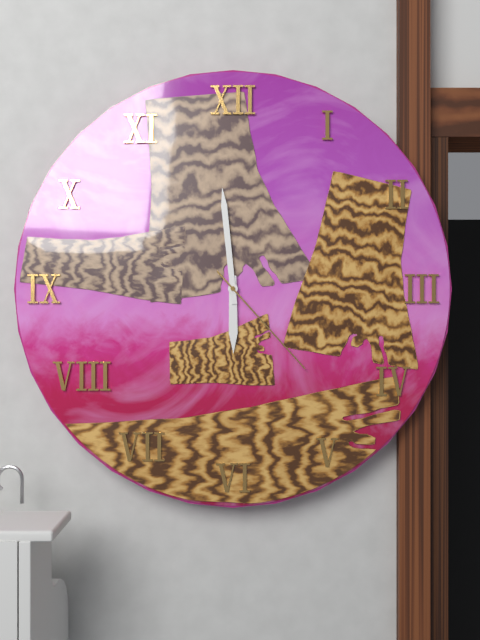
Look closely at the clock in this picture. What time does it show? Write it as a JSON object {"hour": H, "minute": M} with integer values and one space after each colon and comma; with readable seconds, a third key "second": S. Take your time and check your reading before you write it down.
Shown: {"hour": 5, "minute": 59, "second": 23}
